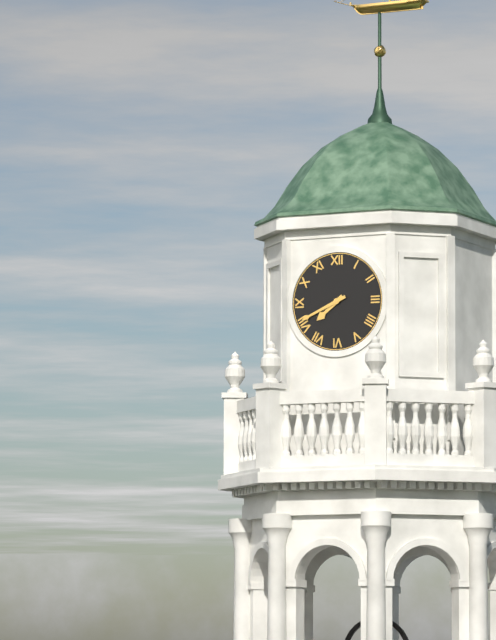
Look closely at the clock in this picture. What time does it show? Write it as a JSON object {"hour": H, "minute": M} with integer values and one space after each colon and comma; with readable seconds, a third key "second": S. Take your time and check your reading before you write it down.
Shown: {"hour": 7, "minute": 41}
